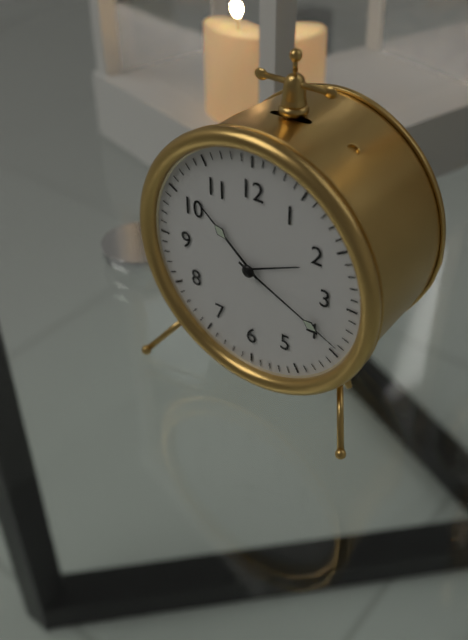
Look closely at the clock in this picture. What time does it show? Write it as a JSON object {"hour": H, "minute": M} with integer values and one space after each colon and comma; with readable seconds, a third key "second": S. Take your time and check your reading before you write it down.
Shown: {"hour": 10, "minute": 19}
